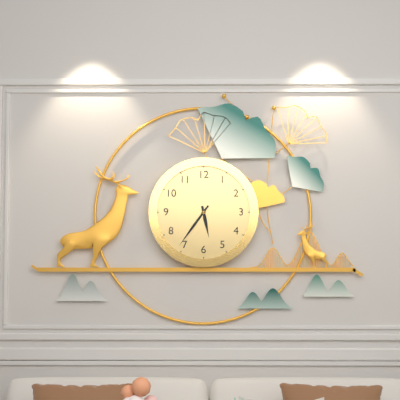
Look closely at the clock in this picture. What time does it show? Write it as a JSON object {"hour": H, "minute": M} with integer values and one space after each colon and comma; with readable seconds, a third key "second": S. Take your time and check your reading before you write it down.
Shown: {"hour": 5, "minute": 36}
